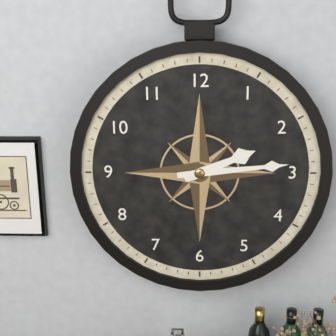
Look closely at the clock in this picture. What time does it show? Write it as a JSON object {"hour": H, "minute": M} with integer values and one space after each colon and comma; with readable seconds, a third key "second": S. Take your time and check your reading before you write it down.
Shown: {"hour": 2, "minute": 14}
